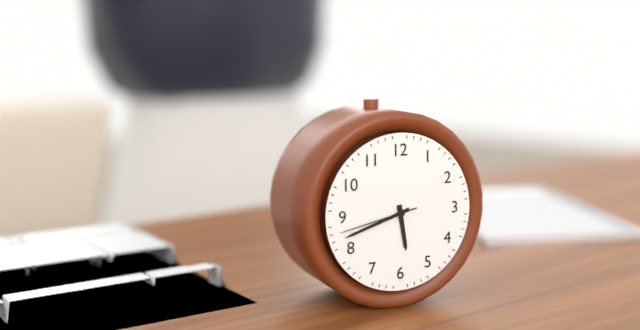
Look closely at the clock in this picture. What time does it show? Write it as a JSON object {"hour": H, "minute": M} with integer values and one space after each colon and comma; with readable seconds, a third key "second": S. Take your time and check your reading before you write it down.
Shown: {"hour": 5, "minute": 42, "second": 43}
